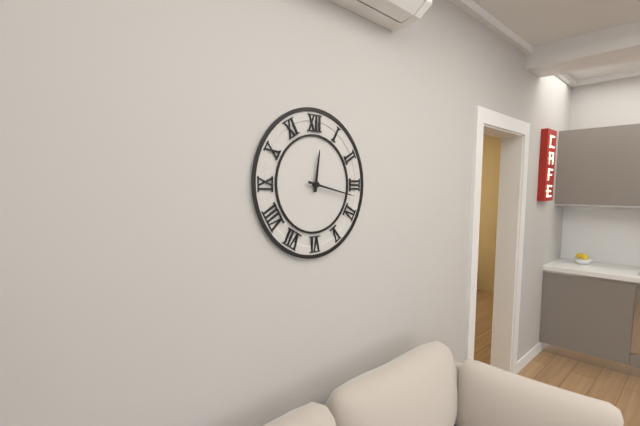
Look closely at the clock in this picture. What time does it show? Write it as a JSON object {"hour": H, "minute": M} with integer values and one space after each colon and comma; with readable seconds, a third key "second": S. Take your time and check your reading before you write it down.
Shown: {"hour": 12, "minute": 17}
